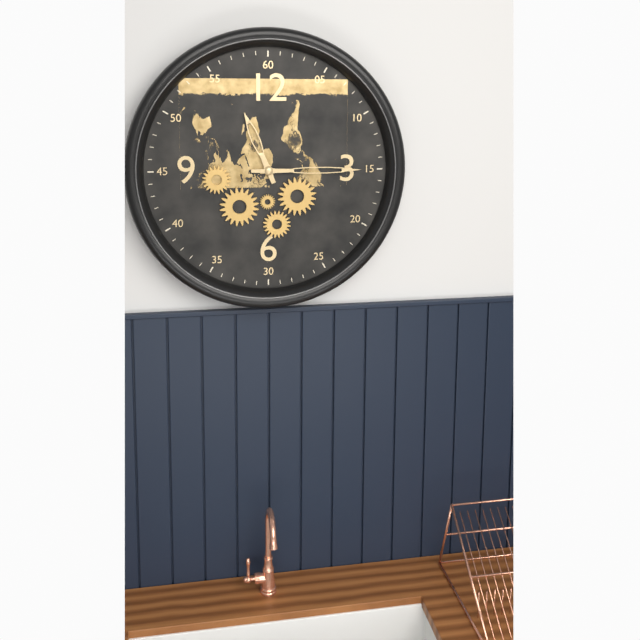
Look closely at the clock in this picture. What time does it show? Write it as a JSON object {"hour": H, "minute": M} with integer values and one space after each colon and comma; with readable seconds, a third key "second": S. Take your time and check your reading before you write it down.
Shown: {"hour": 11, "minute": 15}
